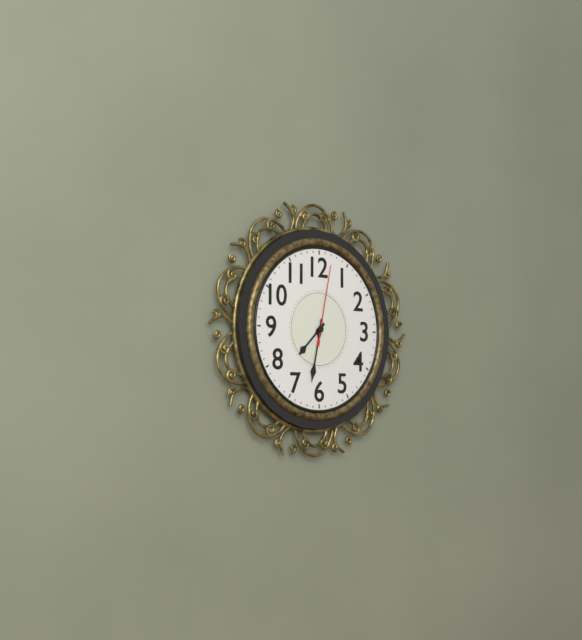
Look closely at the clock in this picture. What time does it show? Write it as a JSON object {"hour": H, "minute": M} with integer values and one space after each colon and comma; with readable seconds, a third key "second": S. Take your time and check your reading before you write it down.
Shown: {"hour": 7, "minute": 32, "second": 2}
